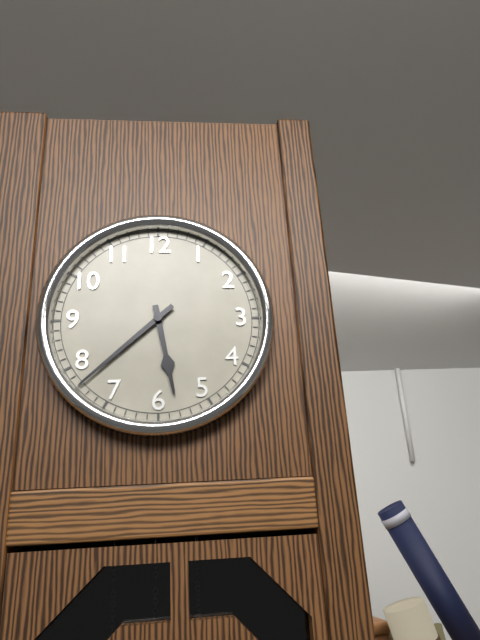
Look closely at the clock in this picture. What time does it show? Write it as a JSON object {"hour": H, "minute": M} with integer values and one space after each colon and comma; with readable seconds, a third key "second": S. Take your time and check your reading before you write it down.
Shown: {"hour": 5, "minute": 38}
